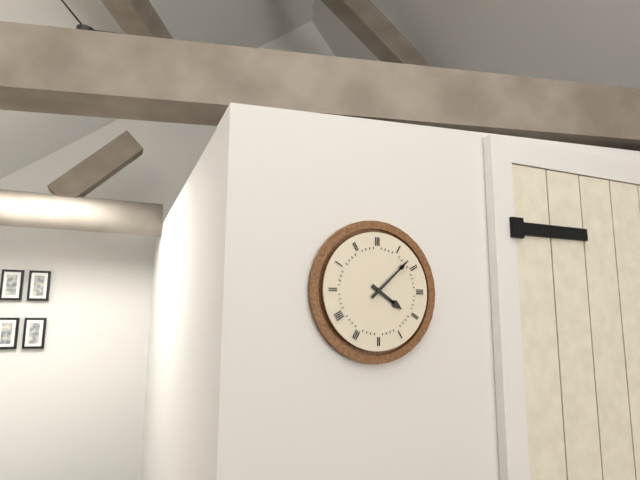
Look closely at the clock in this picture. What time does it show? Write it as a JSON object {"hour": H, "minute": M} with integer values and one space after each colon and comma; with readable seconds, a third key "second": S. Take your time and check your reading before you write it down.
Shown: {"hour": 4, "minute": 8}
